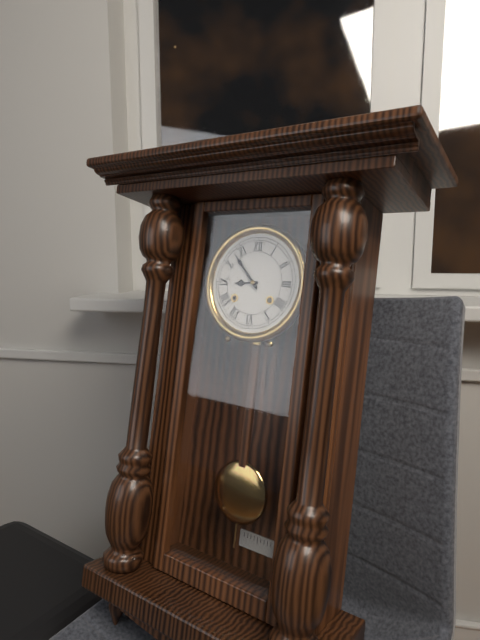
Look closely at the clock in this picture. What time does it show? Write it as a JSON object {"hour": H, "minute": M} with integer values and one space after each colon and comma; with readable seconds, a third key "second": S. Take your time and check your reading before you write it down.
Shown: {"hour": 8, "minute": 53}
